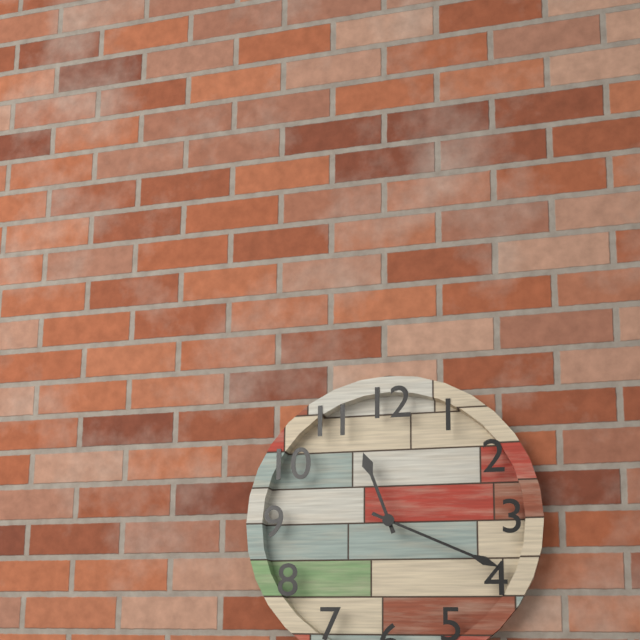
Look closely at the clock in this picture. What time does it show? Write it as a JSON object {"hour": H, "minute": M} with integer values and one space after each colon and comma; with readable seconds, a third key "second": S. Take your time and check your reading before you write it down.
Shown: {"hour": 11, "minute": 19}
